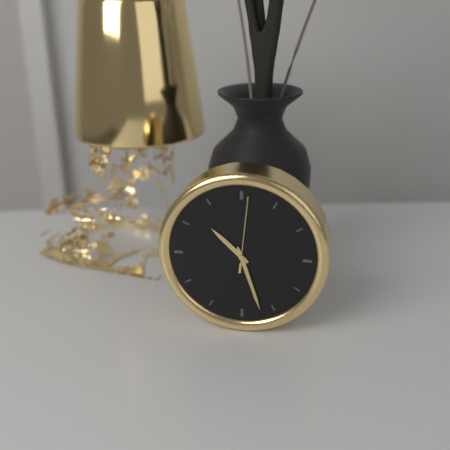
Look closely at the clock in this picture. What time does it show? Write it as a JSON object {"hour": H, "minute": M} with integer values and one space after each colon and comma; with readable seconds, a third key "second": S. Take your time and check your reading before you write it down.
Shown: {"hour": 10, "minute": 27, "second": 1}
